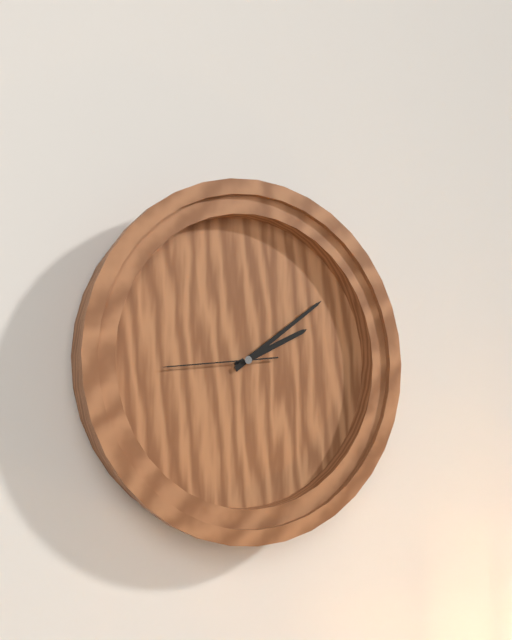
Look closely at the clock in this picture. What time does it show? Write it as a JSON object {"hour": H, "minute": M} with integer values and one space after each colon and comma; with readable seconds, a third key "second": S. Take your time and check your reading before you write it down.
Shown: {"hour": 2, "minute": 9, "second": 44}
